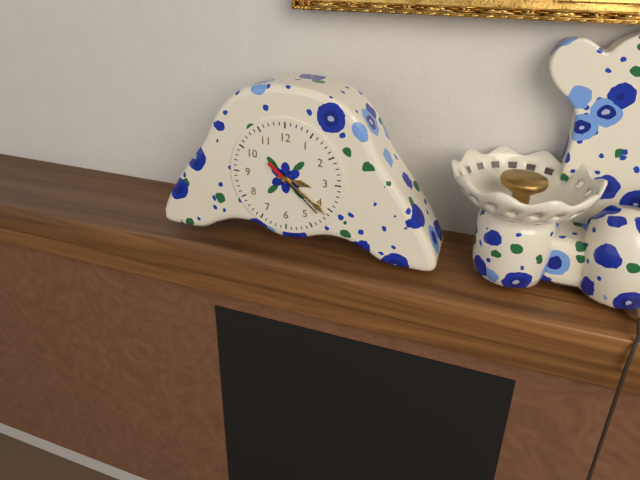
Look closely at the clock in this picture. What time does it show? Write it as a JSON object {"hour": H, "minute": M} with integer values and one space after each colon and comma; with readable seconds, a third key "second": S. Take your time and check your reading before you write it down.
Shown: {"hour": 3, "minute": 21, "second": 22}
